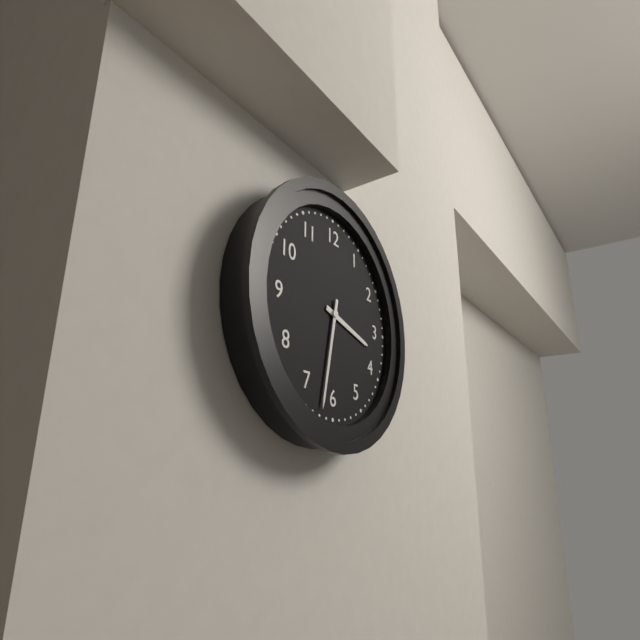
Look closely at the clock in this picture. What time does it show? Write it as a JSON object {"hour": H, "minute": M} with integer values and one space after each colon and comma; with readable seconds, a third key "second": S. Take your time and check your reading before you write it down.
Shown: {"hour": 3, "minute": 32}
